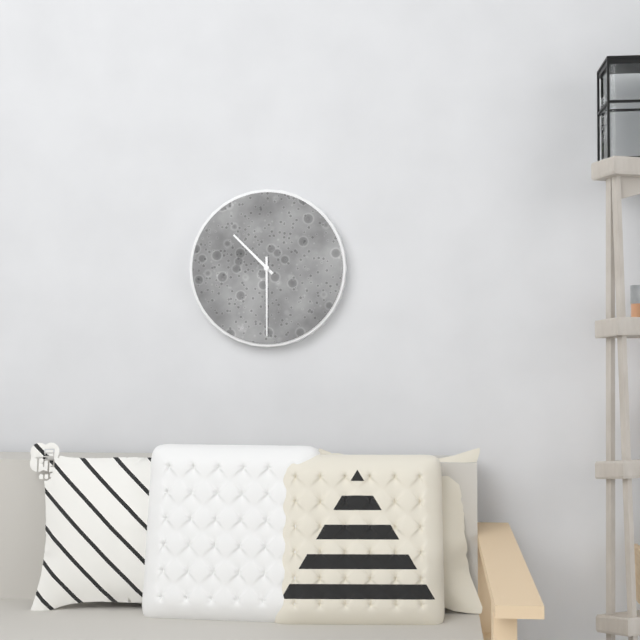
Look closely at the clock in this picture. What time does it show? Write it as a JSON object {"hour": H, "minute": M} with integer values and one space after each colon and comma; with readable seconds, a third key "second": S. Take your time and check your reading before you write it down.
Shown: {"hour": 10, "minute": 30}
